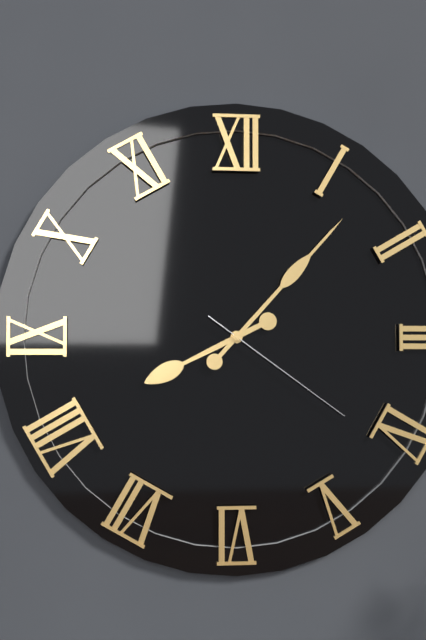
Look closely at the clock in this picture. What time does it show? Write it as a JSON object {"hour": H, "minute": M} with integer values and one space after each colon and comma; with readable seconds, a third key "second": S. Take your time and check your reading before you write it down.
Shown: {"hour": 8, "minute": 7, "second": 21}
